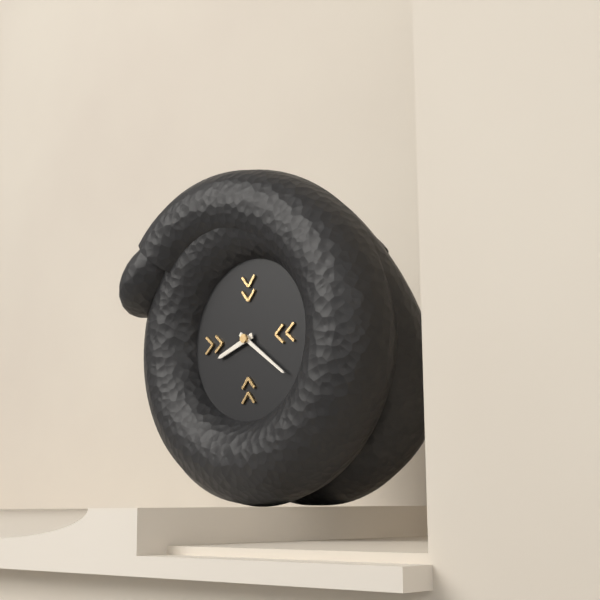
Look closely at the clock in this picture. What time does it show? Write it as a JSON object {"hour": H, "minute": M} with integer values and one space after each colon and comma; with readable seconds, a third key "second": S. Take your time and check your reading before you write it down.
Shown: {"hour": 8, "minute": 21}
